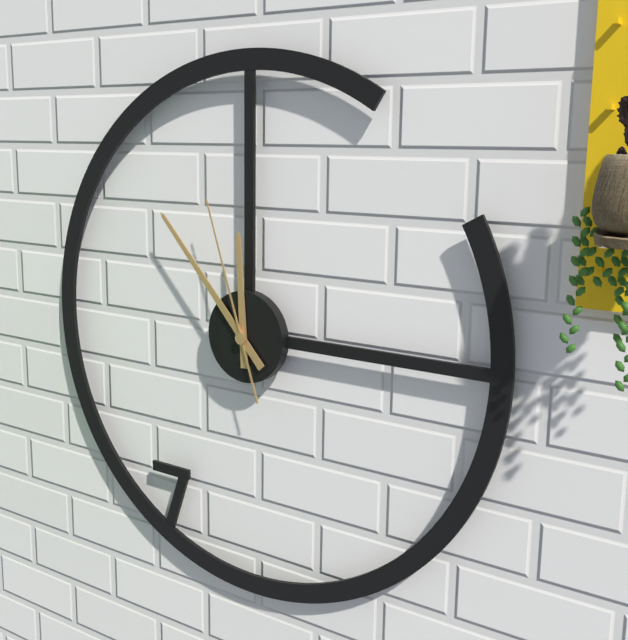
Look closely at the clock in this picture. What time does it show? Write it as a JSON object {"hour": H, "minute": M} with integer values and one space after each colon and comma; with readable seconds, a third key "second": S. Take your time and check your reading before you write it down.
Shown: {"hour": 11, "minute": 53, "second": 57}
